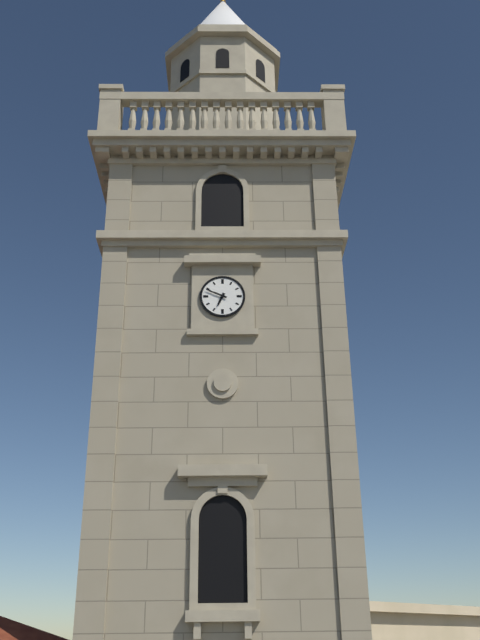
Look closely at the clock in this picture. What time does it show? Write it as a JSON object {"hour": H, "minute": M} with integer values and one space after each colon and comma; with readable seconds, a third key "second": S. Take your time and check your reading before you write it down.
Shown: {"hour": 6, "minute": 49}
